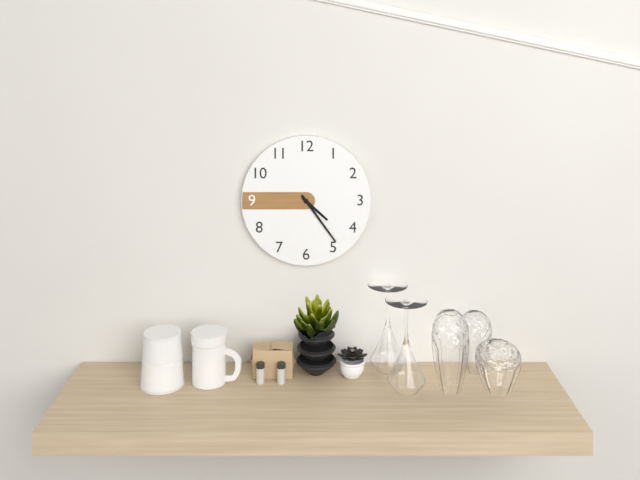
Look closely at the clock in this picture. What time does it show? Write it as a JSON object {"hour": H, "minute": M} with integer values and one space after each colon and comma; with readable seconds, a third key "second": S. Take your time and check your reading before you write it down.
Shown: {"hour": 4, "minute": 24}
